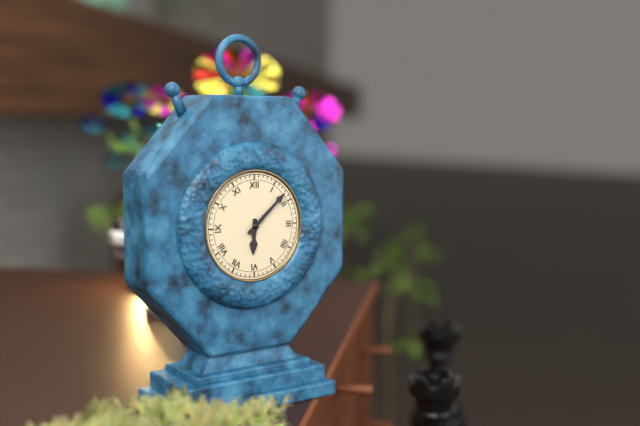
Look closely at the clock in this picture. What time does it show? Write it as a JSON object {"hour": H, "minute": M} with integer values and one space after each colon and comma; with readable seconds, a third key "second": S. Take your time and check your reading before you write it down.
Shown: {"hour": 6, "minute": 8}
